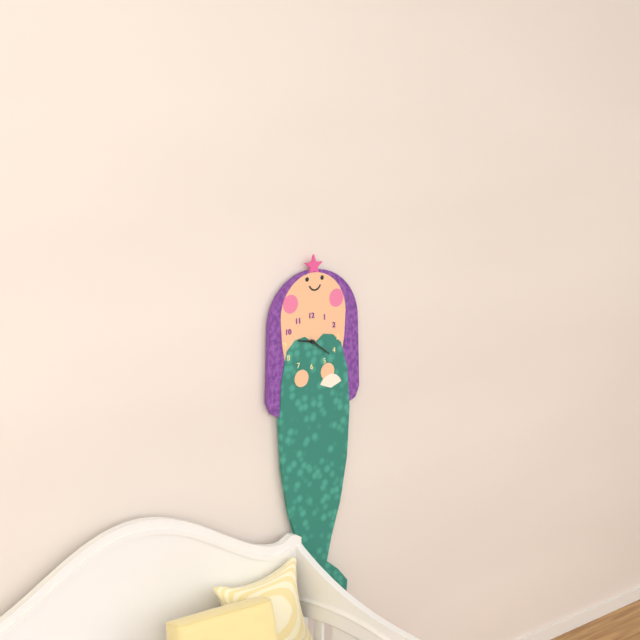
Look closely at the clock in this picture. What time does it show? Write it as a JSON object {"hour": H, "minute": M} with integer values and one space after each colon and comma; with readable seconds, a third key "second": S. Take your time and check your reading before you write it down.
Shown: {"hour": 9, "minute": 21}
